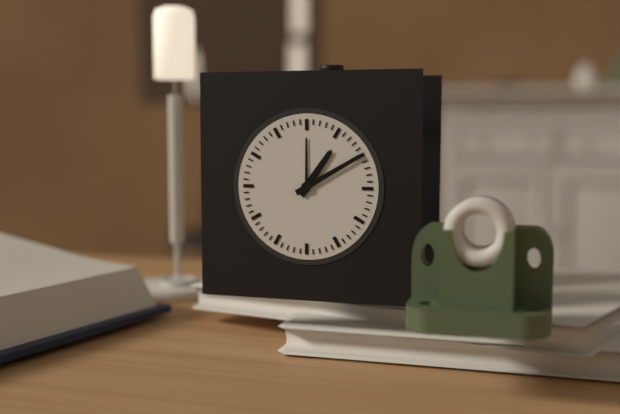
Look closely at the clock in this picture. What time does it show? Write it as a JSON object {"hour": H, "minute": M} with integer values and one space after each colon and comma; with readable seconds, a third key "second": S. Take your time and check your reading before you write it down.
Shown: {"hour": 1, "minute": 10}
